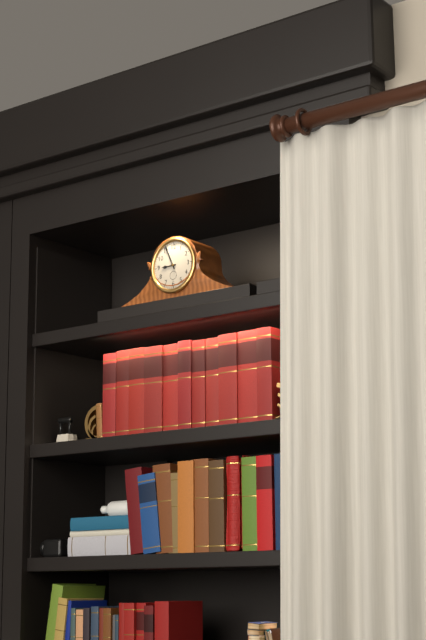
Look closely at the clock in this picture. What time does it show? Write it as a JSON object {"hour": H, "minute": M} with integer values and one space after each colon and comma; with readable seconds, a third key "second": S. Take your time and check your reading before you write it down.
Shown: {"hour": 8, "minute": 56}
